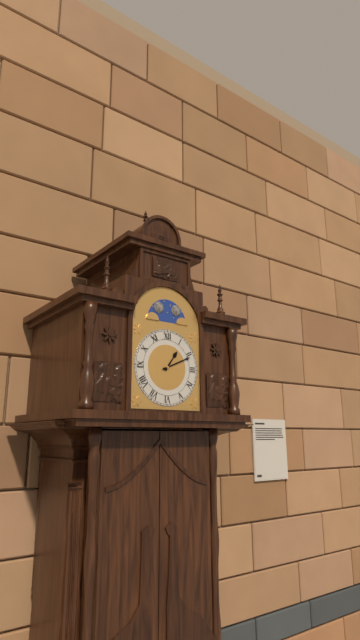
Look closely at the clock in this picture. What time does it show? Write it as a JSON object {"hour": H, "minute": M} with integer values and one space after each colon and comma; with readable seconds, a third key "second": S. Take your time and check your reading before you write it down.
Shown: {"hour": 1, "minute": 11}
